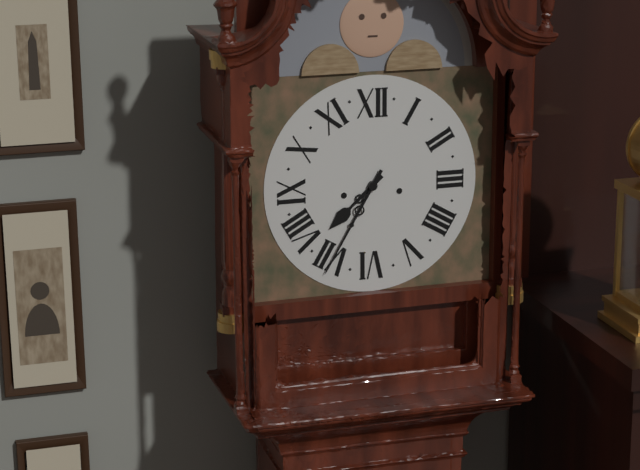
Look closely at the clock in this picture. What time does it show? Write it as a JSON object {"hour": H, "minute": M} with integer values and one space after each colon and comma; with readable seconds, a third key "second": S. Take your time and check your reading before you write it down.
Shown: {"hour": 7, "minute": 35}
